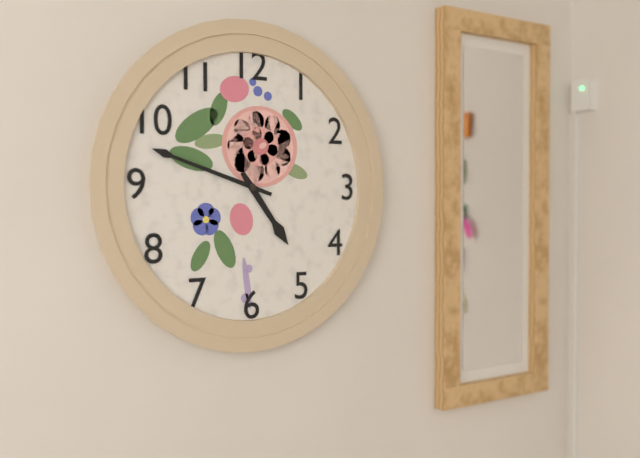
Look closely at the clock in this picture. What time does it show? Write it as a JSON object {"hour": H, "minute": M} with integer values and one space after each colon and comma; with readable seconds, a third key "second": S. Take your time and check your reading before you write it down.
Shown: {"hour": 4, "minute": 48}
